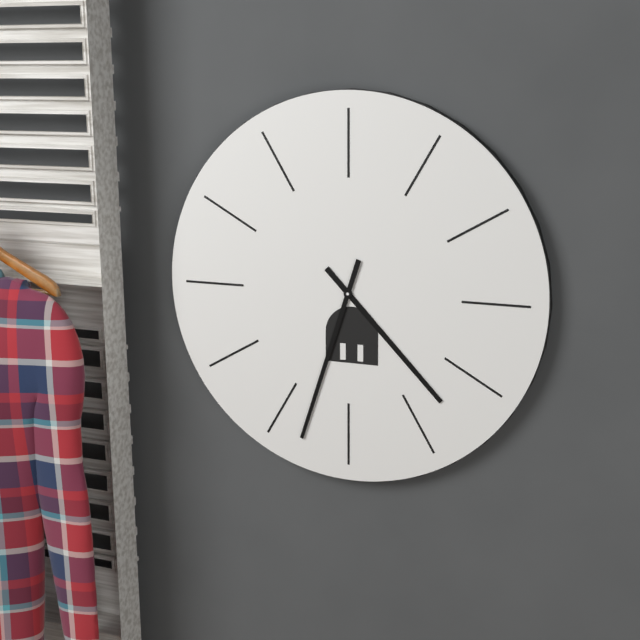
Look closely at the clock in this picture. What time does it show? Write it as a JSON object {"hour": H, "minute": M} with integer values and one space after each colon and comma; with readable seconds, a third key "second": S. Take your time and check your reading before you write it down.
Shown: {"hour": 4, "minute": 33}
